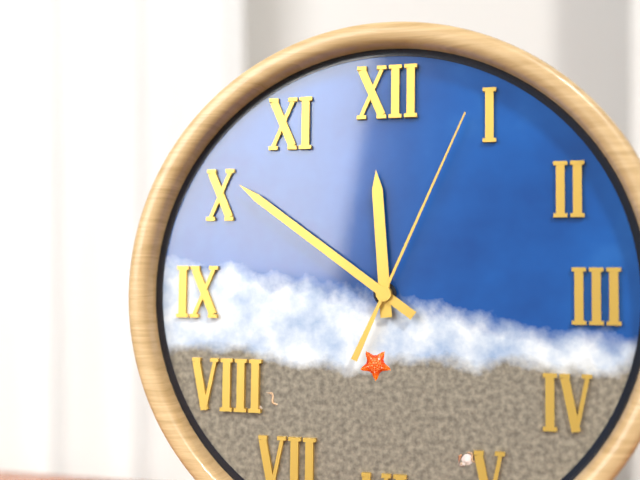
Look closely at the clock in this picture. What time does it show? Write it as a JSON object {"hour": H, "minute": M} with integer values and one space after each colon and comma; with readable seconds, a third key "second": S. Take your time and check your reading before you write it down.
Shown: {"hour": 11, "minute": 51, "second": 4}
